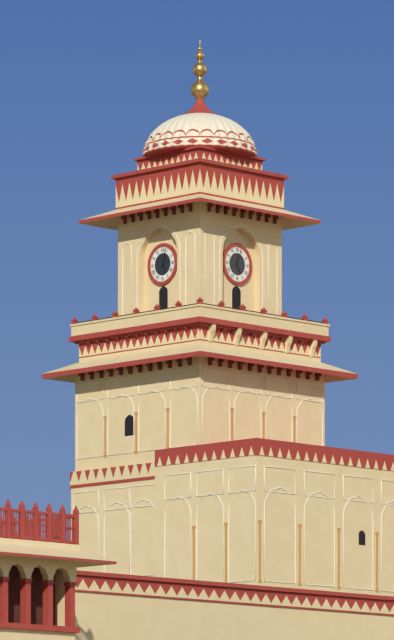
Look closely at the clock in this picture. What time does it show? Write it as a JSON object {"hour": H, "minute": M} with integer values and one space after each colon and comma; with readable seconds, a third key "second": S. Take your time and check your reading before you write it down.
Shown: {"hour": 5, "minute": 3}
